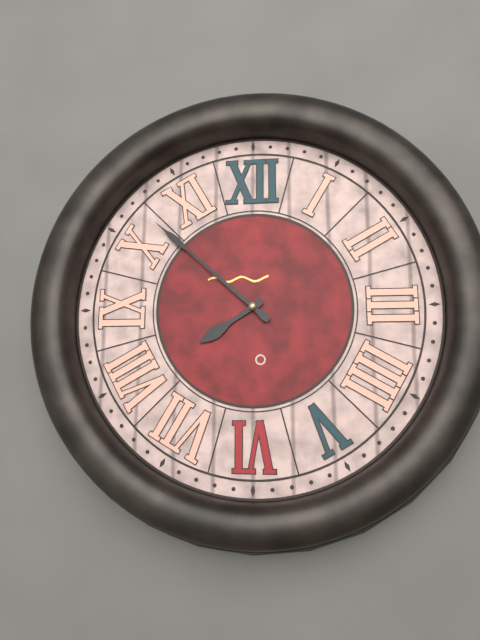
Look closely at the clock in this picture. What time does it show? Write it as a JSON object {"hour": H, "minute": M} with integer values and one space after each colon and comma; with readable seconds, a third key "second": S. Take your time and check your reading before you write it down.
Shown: {"hour": 7, "minute": 52}
